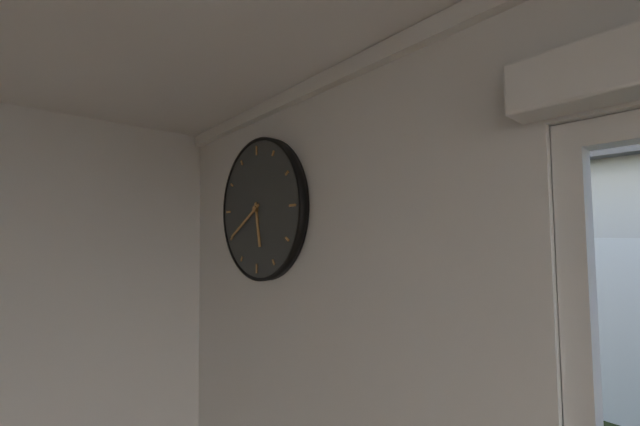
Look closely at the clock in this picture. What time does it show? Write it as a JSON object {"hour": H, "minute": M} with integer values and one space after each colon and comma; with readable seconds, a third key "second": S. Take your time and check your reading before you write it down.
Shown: {"hour": 5, "minute": 40}
